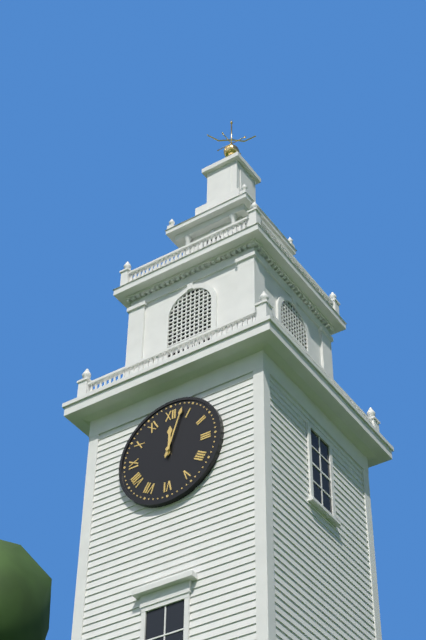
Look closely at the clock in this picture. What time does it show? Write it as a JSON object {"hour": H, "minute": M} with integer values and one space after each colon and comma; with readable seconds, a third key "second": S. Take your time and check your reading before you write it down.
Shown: {"hour": 12, "minute": 3}
